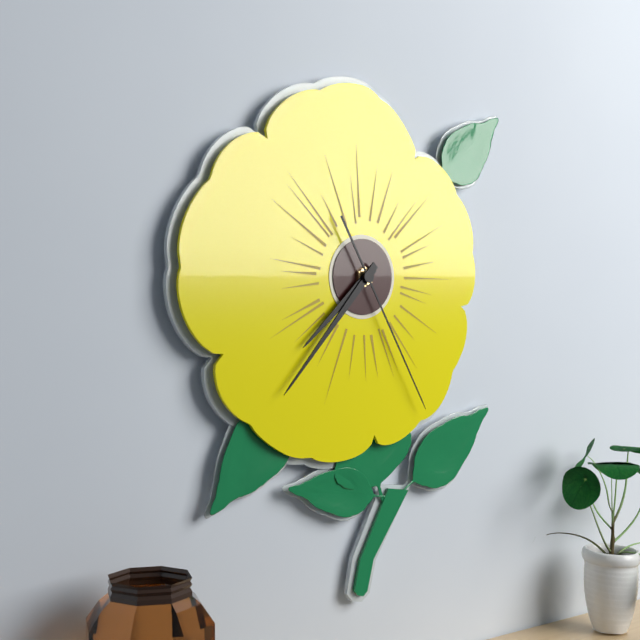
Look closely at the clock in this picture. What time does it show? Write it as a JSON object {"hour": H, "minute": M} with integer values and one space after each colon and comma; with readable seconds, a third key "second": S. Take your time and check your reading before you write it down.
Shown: {"hour": 7, "minute": 37, "second": 25}
